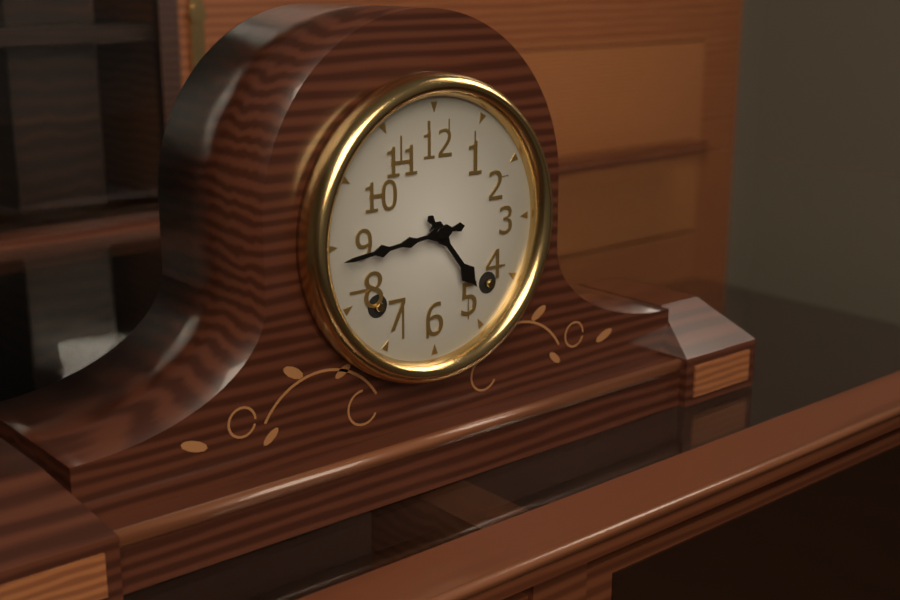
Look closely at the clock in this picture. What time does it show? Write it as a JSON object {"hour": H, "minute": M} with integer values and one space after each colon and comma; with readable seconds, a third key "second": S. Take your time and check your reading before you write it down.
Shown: {"hour": 4, "minute": 44}
